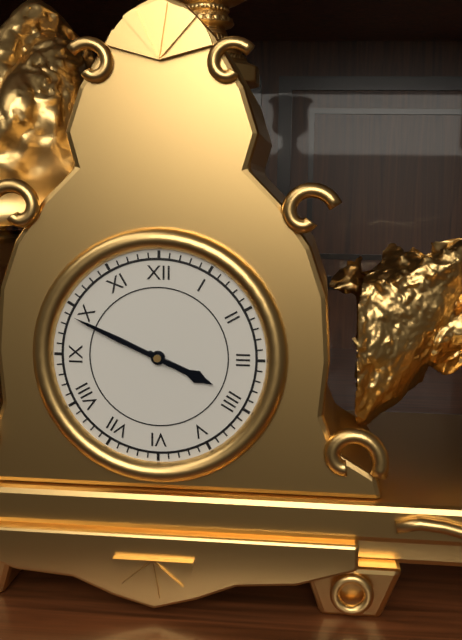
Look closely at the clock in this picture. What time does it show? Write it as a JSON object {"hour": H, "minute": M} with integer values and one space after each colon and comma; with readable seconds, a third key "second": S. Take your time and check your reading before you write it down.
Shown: {"hour": 3, "minute": 49}
